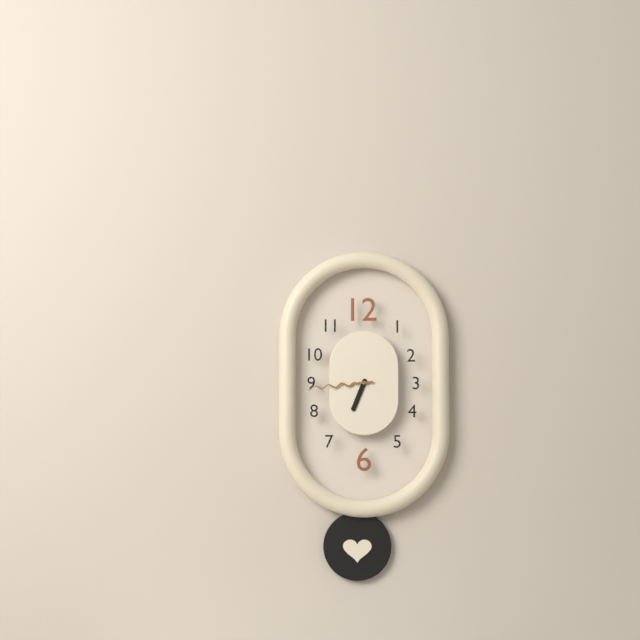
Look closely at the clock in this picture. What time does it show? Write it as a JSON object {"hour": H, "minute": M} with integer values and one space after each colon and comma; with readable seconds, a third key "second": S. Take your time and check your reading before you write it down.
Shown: {"hour": 6, "minute": 44}
